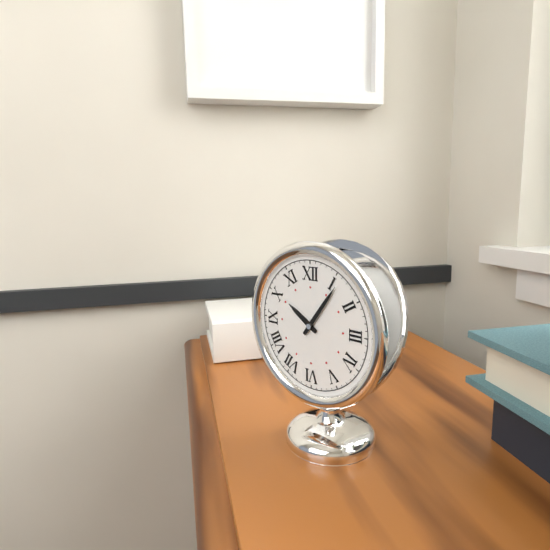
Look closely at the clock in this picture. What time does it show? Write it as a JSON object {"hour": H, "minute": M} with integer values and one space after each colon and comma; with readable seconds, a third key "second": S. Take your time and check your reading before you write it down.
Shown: {"hour": 10, "minute": 6}
